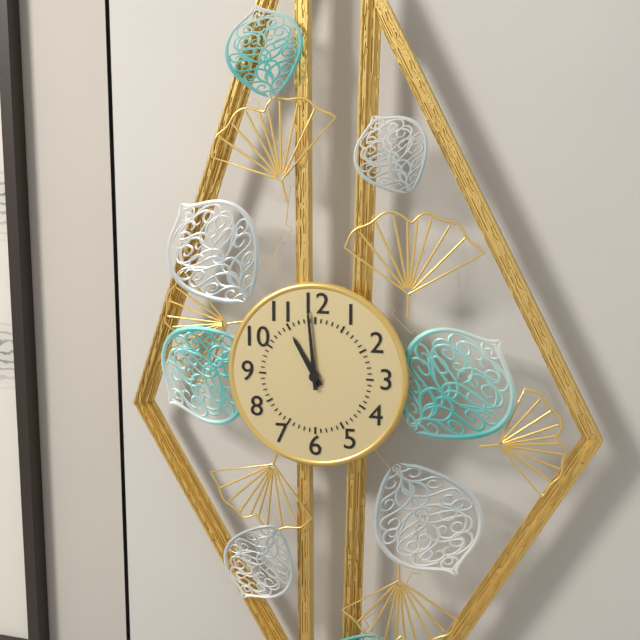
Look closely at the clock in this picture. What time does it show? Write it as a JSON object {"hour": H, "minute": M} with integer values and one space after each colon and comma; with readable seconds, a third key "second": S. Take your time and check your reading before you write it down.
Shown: {"hour": 10, "minute": 59}
